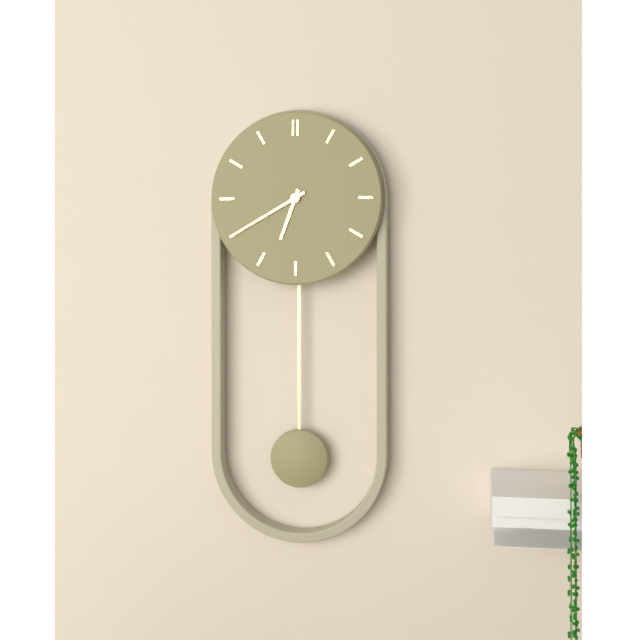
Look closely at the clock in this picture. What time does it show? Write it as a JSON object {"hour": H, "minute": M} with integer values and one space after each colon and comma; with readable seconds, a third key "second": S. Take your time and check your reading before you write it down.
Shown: {"hour": 6, "minute": 40}
